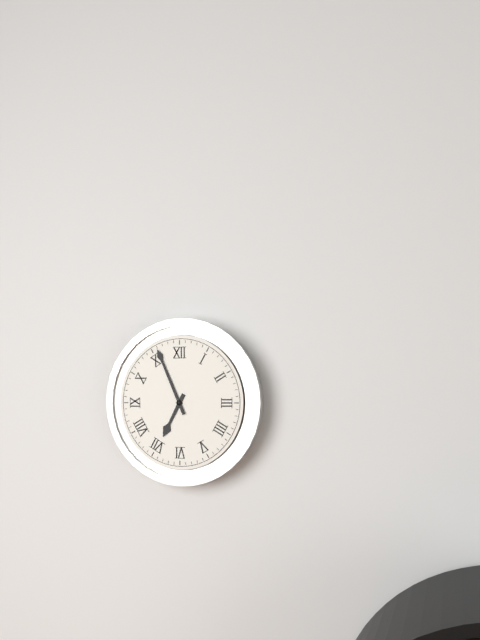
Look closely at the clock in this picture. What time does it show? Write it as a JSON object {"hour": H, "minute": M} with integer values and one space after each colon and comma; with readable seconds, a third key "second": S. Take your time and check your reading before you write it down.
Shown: {"hour": 6, "minute": 56}
